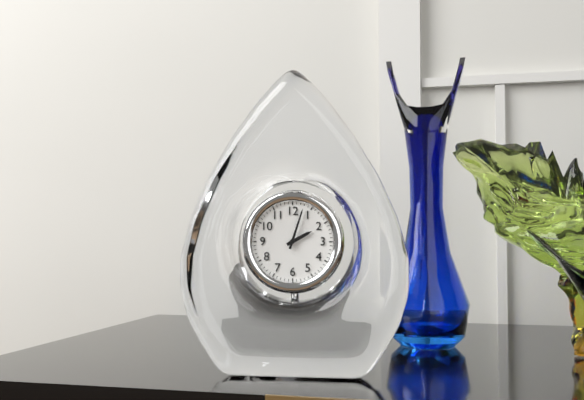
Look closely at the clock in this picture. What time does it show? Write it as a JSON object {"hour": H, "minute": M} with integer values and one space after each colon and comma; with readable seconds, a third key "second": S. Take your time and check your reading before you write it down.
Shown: {"hour": 2, "minute": 3}
